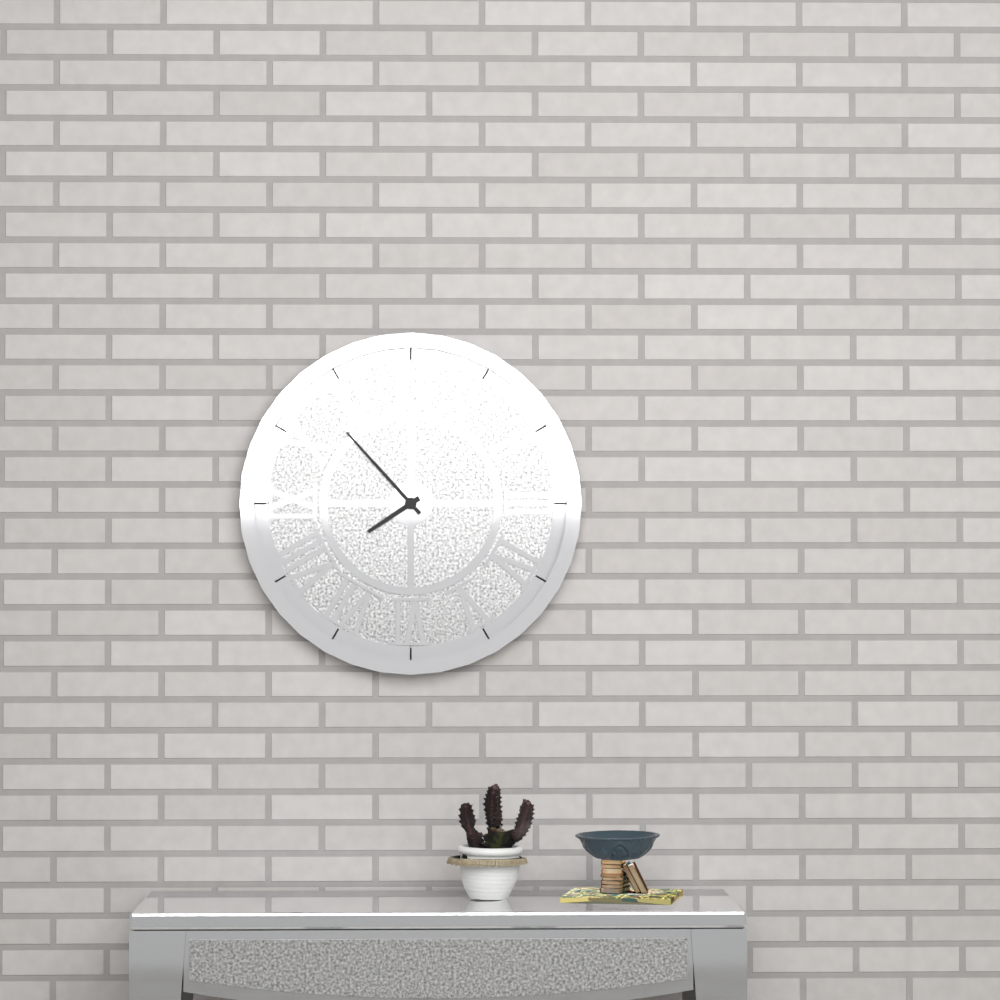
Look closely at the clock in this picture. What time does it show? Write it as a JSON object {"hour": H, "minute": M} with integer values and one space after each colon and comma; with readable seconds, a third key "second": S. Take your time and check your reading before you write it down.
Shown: {"hour": 7, "minute": 53}
